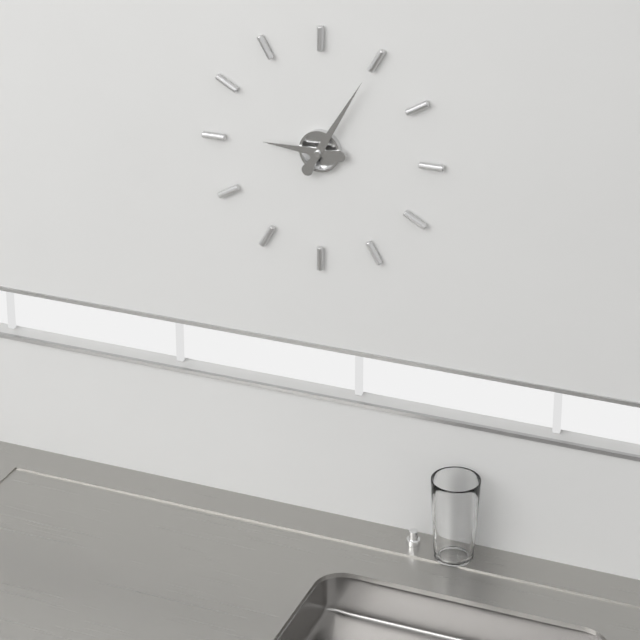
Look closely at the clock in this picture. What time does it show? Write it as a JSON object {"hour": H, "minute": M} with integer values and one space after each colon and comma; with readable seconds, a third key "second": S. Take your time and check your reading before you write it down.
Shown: {"hour": 9, "minute": 5}
